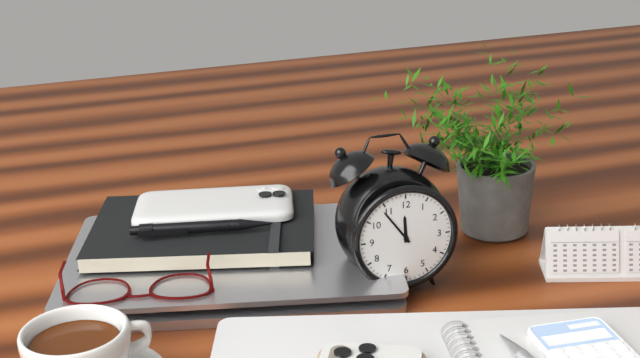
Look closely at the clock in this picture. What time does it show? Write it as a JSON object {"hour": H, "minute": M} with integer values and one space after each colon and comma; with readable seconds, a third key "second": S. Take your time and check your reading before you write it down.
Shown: {"hour": 11, "minute": 54}
